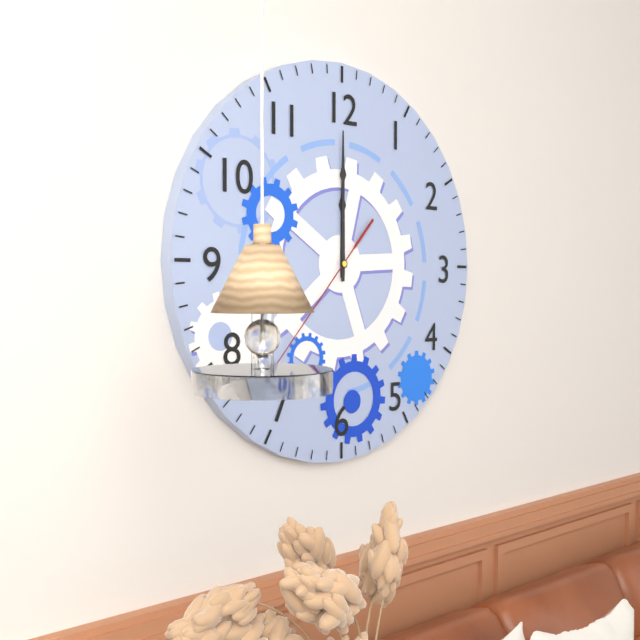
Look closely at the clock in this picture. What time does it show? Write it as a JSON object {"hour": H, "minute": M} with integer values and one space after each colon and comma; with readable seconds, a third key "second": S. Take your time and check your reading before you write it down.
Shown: {"hour": 12, "minute": 0, "second": 37}
